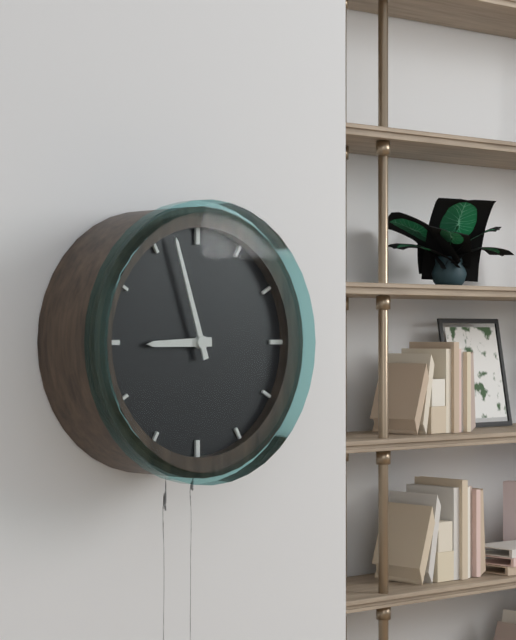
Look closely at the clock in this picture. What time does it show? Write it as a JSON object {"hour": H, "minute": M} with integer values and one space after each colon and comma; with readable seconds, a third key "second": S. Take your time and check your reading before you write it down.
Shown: {"hour": 8, "minute": 57}
